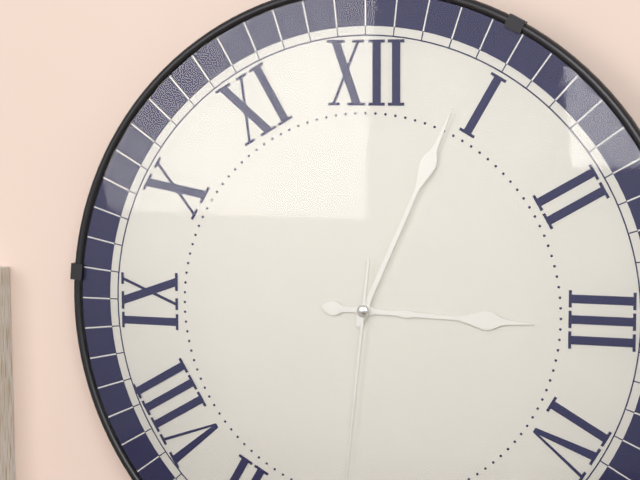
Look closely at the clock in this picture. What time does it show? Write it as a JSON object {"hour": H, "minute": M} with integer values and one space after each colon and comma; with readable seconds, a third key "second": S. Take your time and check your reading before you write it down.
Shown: {"hour": 3, "minute": 4}
